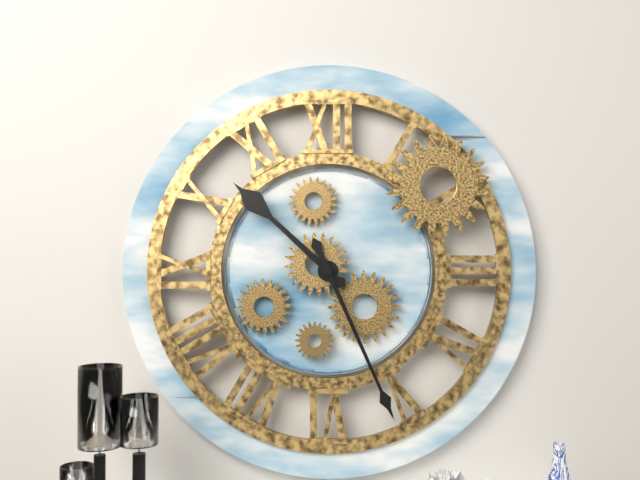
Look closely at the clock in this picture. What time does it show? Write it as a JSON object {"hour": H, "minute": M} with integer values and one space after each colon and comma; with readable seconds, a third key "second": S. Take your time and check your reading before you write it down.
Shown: {"hour": 10, "minute": 26}
